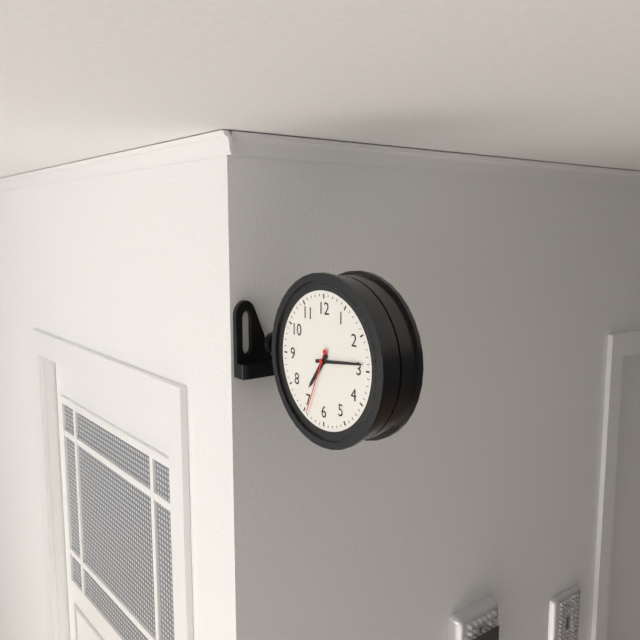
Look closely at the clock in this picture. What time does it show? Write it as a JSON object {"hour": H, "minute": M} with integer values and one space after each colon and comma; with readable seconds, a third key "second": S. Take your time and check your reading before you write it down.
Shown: {"hour": 7, "minute": 14, "second": 34}
